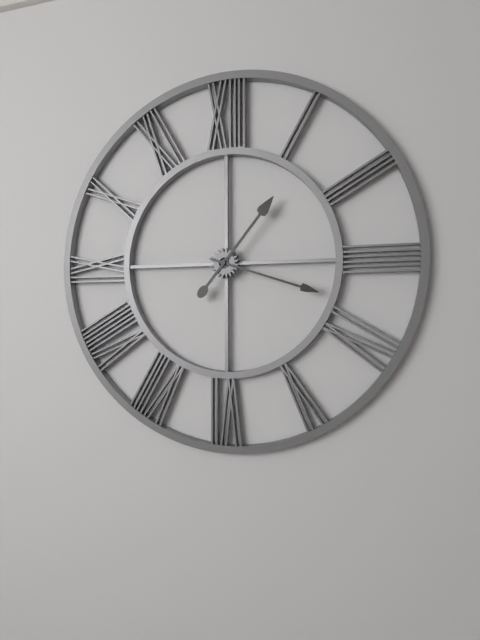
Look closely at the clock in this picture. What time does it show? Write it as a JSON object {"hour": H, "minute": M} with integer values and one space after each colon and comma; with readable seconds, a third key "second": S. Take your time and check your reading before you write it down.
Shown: {"hour": 1, "minute": 18}
